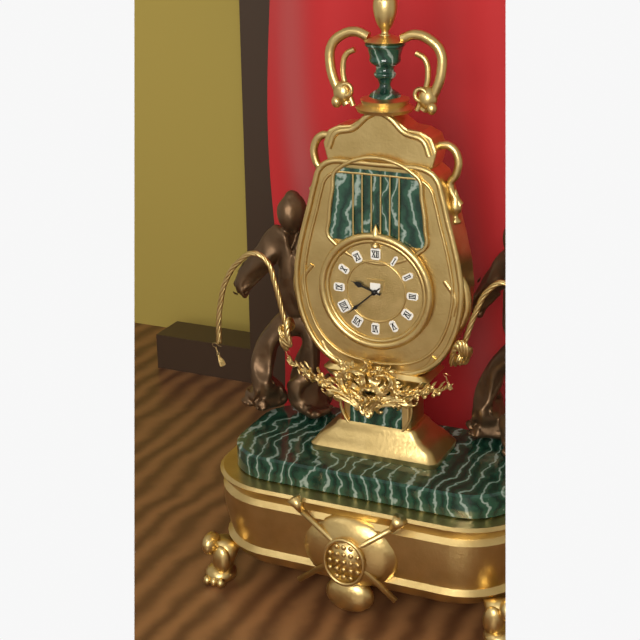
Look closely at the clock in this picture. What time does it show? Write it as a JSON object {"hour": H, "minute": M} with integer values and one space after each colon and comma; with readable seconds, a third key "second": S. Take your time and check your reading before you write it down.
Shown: {"hour": 9, "minute": 38}
